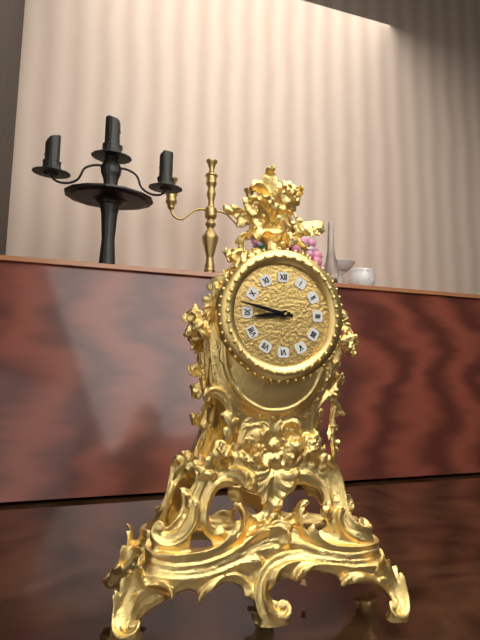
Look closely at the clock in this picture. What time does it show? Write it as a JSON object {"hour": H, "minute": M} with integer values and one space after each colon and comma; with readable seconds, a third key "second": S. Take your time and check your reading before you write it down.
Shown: {"hour": 8, "minute": 47}
